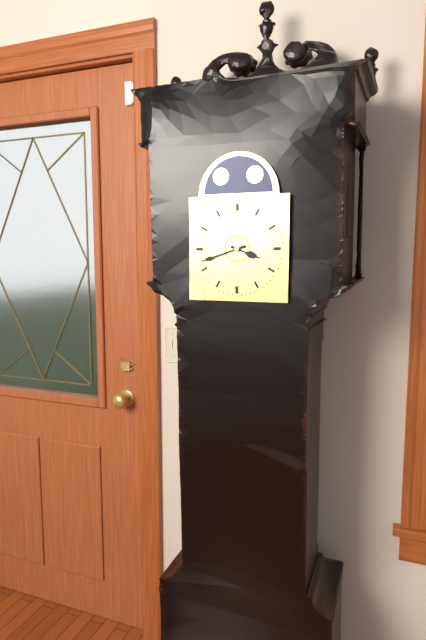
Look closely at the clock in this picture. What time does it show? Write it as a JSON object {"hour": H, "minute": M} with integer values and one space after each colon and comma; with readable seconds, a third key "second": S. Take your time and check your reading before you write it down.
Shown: {"hour": 3, "minute": 42}
